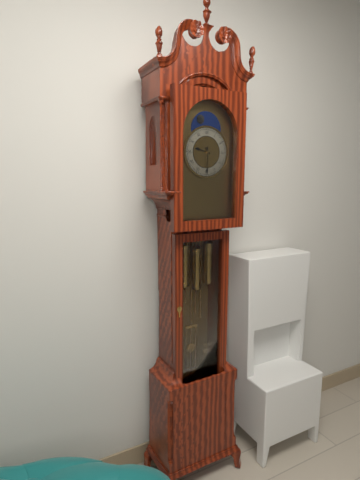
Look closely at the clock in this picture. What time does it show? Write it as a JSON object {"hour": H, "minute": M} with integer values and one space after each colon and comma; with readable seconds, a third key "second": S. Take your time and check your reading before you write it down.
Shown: {"hour": 9, "minute": 30}
